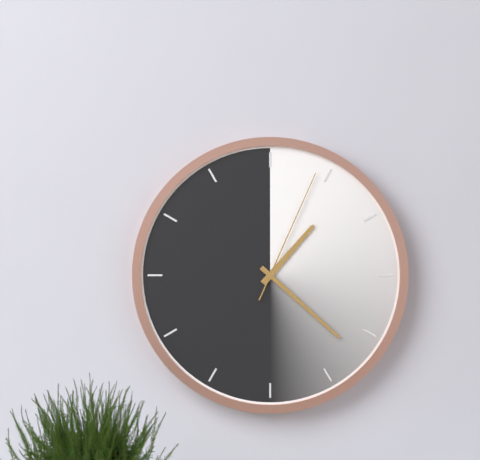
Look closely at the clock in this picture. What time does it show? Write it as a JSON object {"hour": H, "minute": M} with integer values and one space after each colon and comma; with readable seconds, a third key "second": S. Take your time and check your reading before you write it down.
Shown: {"hour": 1, "minute": 22, "second": 4}
